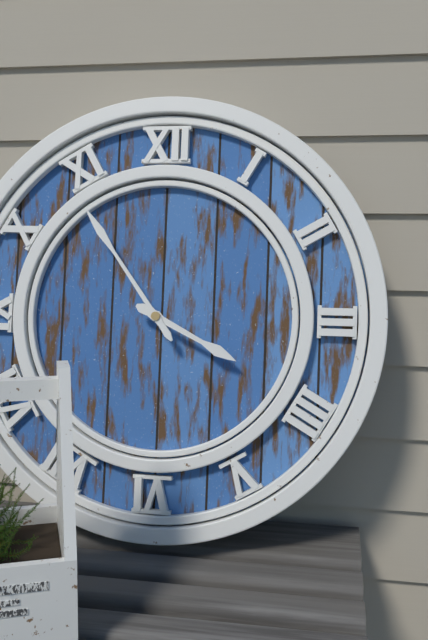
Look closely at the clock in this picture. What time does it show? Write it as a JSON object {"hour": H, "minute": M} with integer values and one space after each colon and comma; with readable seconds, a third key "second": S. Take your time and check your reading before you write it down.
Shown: {"hour": 3, "minute": 54}
